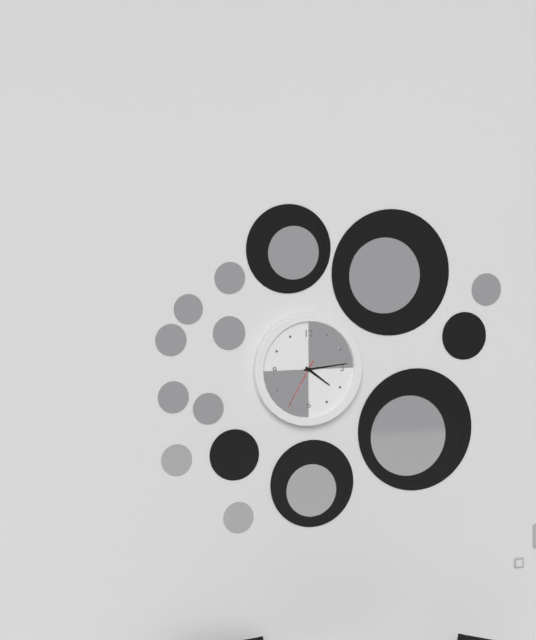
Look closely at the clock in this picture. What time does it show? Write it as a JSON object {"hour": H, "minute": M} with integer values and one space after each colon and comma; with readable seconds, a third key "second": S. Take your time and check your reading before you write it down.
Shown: {"hour": 4, "minute": 14, "second": 35}
